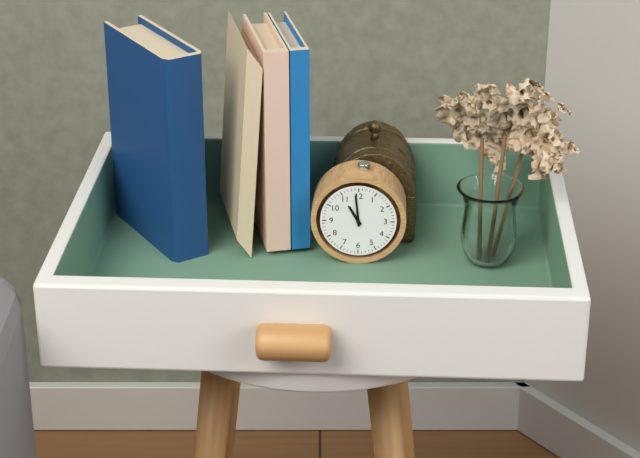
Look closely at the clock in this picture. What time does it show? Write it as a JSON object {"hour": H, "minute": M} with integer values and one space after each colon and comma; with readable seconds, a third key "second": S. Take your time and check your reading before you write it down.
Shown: {"hour": 10, "minute": 59}
